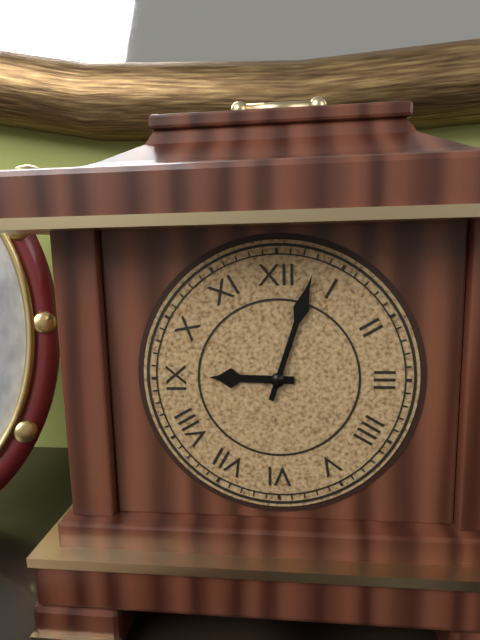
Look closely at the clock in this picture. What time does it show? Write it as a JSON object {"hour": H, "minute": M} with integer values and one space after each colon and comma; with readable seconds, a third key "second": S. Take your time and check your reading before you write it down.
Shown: {"hour": 9, "minute": 3}
